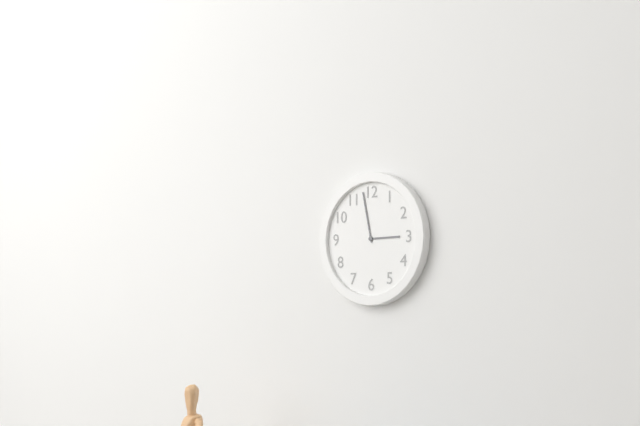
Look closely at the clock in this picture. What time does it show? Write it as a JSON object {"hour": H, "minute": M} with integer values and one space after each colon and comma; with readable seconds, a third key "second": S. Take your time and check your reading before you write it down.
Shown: {"hour": 2, "minute": 58}
